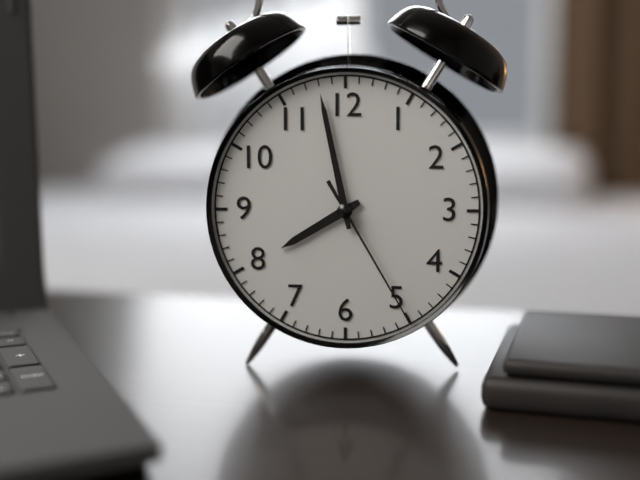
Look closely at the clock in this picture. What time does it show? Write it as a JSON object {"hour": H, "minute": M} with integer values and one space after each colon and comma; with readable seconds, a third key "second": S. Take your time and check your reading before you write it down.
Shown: {"hour": 7, "minute": 58, "second": 25}
